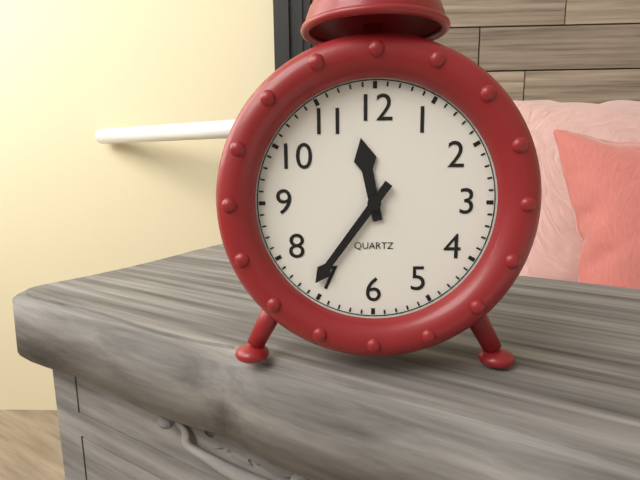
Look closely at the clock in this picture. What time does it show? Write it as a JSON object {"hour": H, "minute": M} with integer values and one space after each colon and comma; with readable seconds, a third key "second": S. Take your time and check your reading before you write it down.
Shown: {"hour": 11, "minute": 36}
